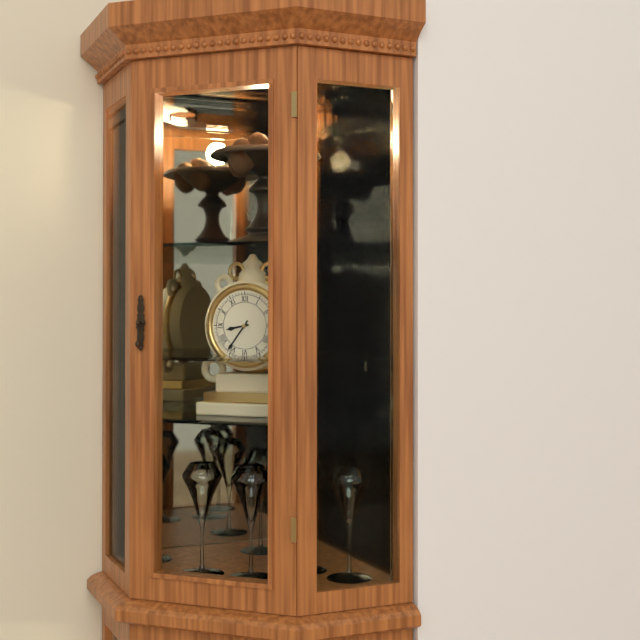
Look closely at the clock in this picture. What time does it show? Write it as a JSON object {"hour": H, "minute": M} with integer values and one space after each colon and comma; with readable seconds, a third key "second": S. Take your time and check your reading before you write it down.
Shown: {"hour": 8, "minute": 36}
